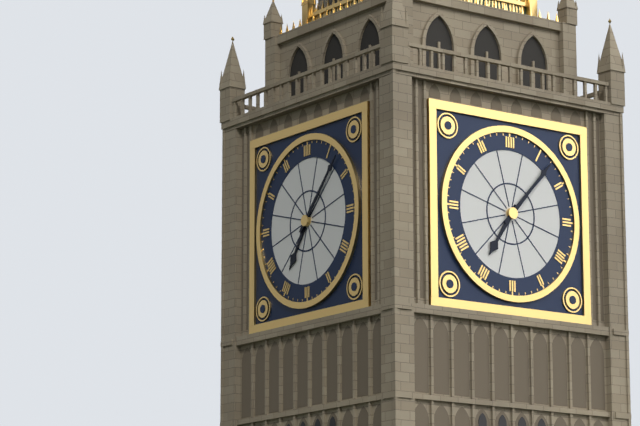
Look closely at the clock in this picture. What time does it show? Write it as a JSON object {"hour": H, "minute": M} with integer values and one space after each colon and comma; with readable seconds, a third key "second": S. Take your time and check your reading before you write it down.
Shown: {"hour": 7, "minute": 7}
